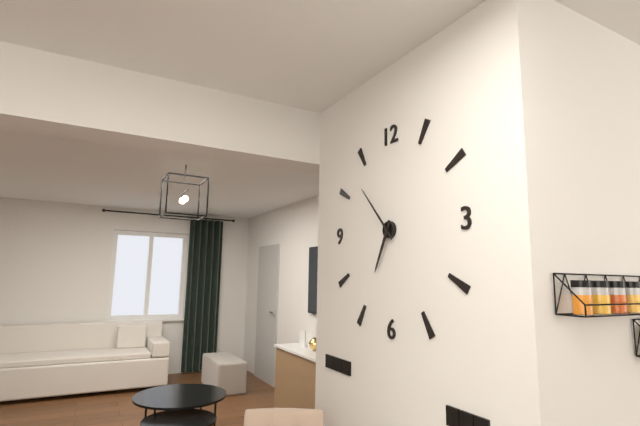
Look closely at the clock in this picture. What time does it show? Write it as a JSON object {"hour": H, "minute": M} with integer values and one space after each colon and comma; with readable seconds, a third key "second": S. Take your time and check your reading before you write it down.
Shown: {"hour": 6, "minute": 53}
